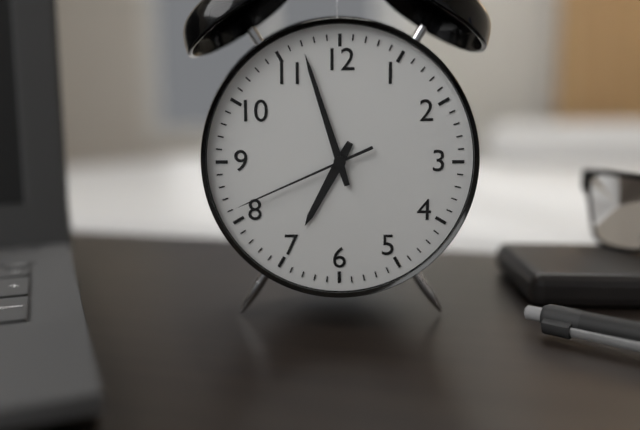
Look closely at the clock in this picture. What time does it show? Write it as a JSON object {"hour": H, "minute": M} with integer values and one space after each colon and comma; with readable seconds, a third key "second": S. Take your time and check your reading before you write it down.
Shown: {"hour": 6, "minute": 57, "second": 41}
